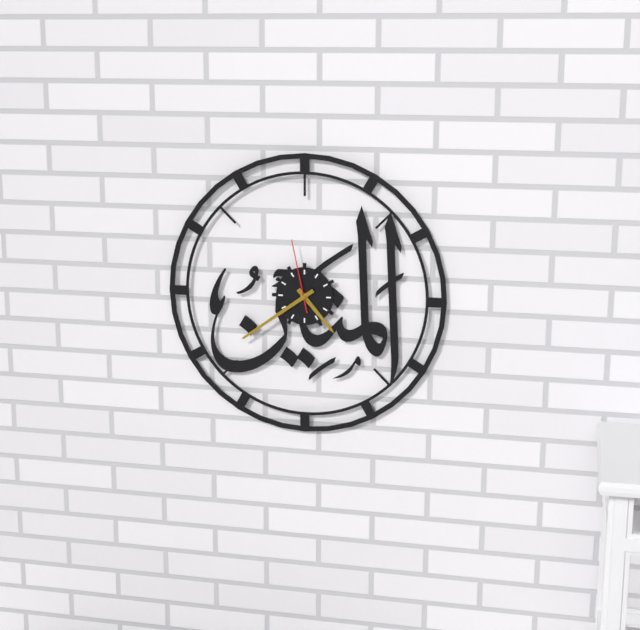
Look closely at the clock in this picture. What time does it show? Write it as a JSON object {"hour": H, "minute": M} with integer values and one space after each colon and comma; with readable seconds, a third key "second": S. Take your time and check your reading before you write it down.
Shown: {"hour": 4, "minute": 39, "second": 58}
